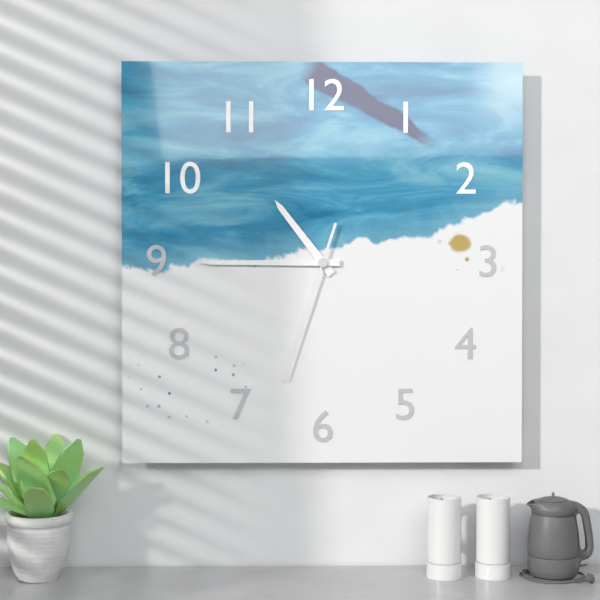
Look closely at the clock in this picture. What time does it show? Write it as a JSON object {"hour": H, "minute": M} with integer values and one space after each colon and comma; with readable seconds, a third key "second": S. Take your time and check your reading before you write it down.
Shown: {"hour": 10, "minute": 45, "second": 33}
